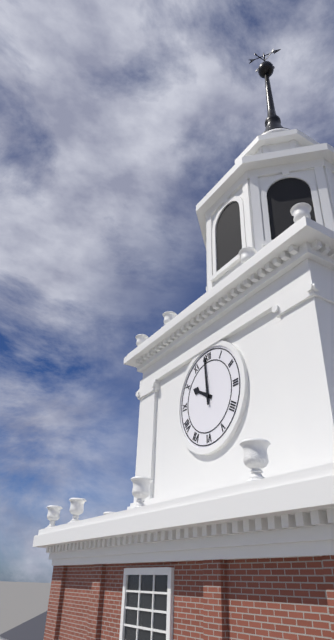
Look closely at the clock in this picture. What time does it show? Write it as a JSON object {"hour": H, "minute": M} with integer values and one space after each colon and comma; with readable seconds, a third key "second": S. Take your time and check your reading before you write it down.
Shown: {"hour": 9, "minute": 59}
